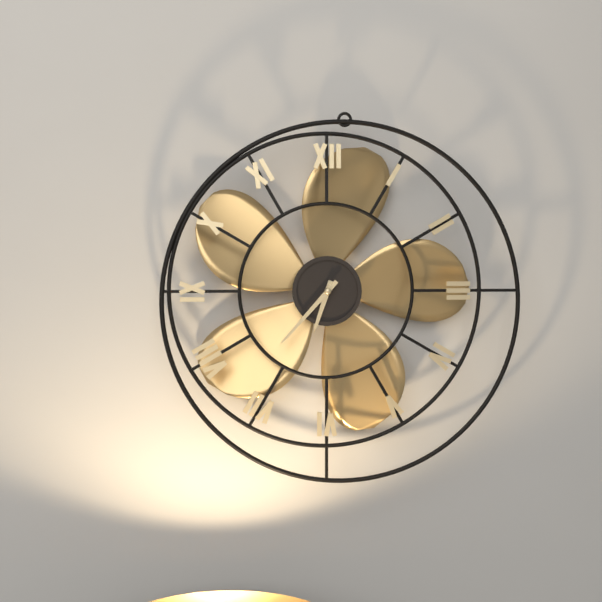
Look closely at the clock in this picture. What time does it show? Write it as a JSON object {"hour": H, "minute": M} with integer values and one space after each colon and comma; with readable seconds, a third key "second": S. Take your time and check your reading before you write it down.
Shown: {"hour": 6, "minute": 37}
